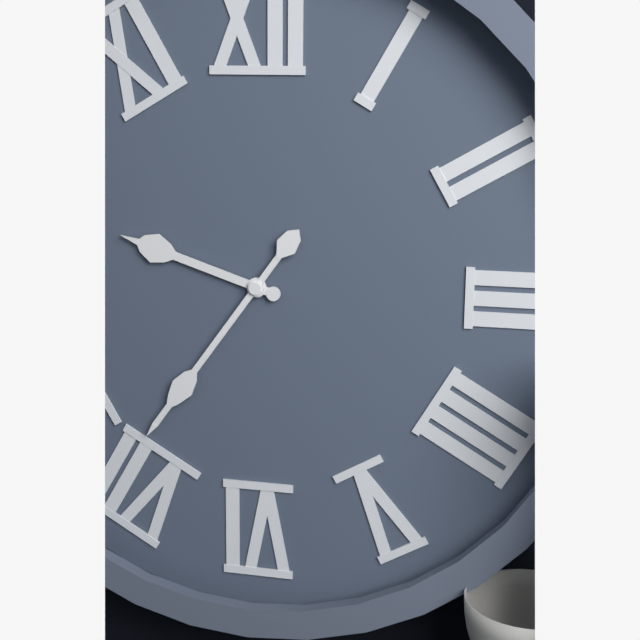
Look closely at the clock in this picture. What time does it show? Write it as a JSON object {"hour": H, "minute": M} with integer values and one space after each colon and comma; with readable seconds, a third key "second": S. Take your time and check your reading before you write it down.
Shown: {"hour": 9, "minute": 36}
